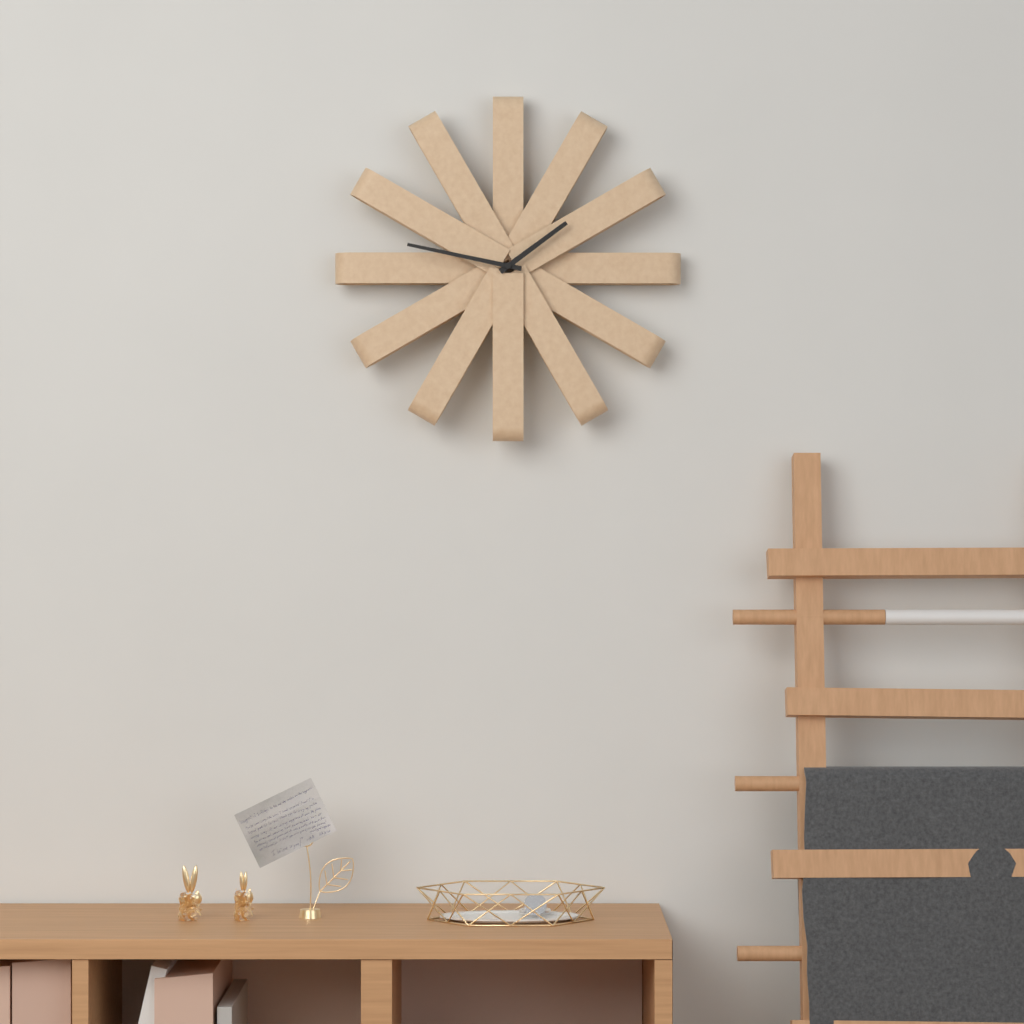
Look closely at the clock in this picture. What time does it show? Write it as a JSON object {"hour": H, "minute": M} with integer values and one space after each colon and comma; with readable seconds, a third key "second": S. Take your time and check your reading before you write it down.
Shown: {"hour": 1, "minute": 47}
